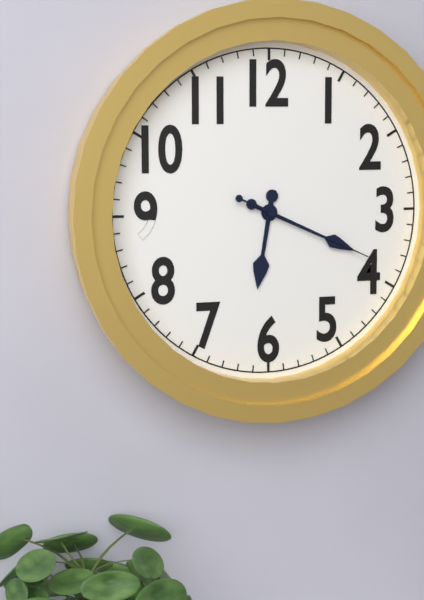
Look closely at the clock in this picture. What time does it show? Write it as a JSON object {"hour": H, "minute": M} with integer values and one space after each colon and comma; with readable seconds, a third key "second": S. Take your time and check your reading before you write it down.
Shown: {"hour": 6, "minute": 19, "second": 19}
